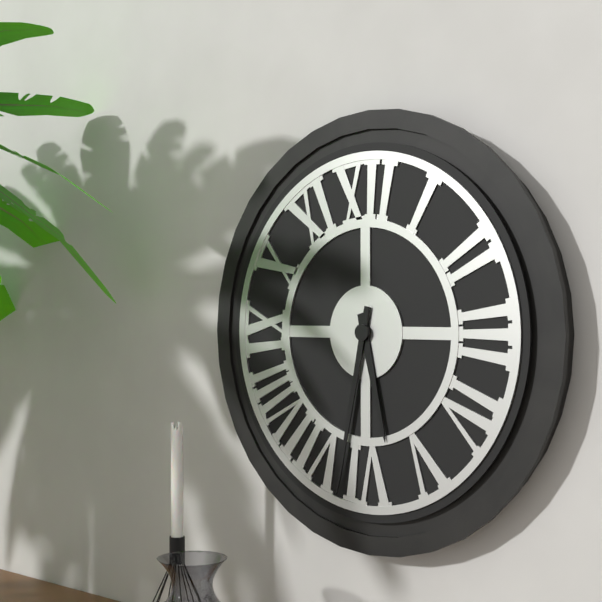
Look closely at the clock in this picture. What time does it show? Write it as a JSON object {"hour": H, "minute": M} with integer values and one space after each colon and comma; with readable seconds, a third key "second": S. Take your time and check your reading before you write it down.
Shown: {"hour": 5, "minute": 32}
